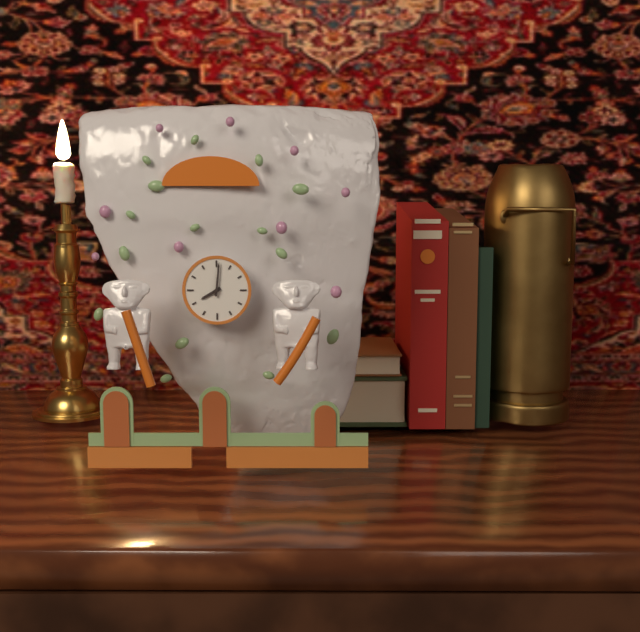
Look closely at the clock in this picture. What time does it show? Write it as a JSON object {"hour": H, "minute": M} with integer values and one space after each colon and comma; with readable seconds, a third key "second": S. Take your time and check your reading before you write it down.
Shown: {"hour": 8, "minute": 1}
